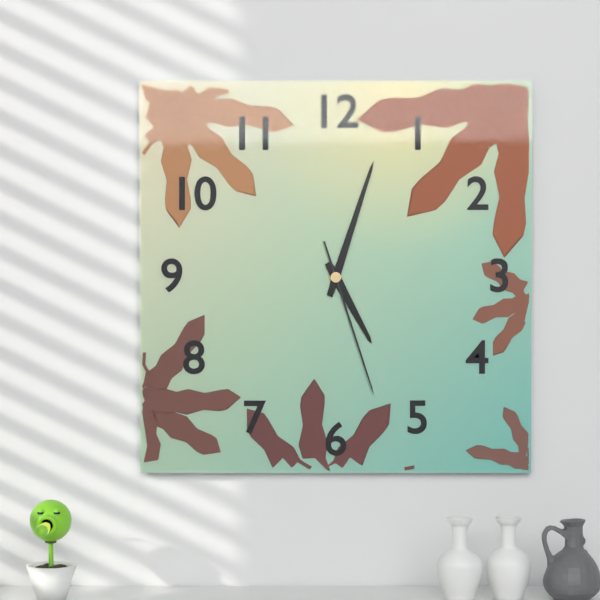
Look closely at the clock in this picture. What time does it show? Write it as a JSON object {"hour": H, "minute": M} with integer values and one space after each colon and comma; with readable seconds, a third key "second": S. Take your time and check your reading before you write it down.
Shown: {"hour": 5, "minute": 3, "second": 27}
